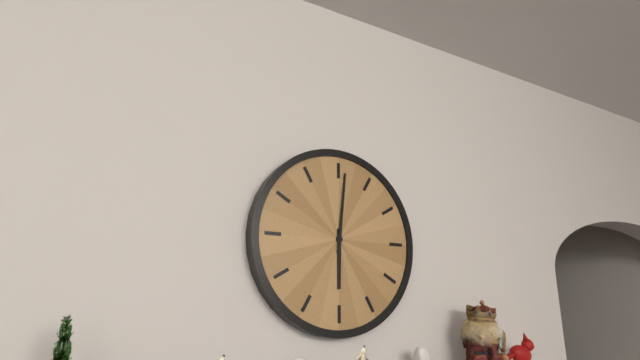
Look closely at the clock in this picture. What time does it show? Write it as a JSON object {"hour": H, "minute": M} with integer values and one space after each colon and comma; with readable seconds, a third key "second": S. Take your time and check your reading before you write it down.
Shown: {"hour": 6, "minute": 1}
